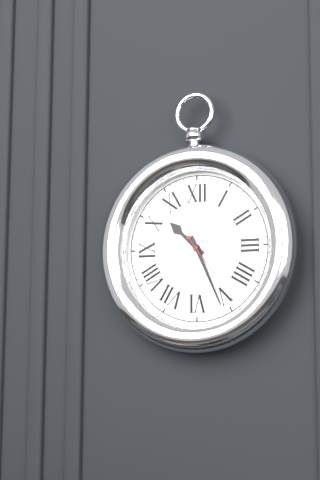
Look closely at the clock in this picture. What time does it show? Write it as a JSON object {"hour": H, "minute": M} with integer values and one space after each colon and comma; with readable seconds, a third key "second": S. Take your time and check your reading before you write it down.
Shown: {"hour": 10, "minute": 26, "second": 24}
